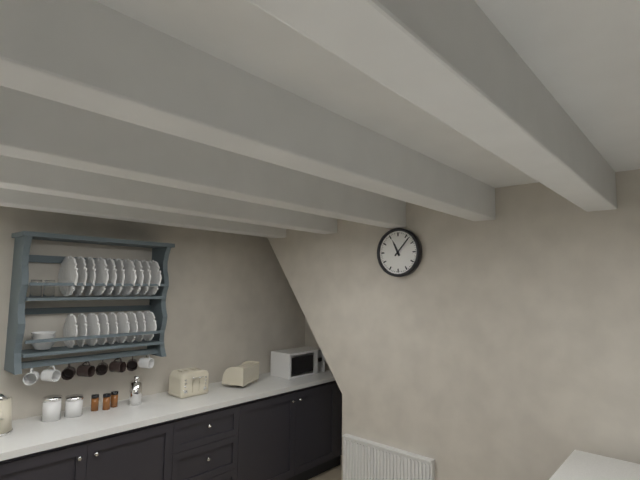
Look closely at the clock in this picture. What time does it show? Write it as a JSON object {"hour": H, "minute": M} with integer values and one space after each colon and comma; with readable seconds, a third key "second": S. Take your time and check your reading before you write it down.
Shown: {"hour": 11, "minute": 7}
